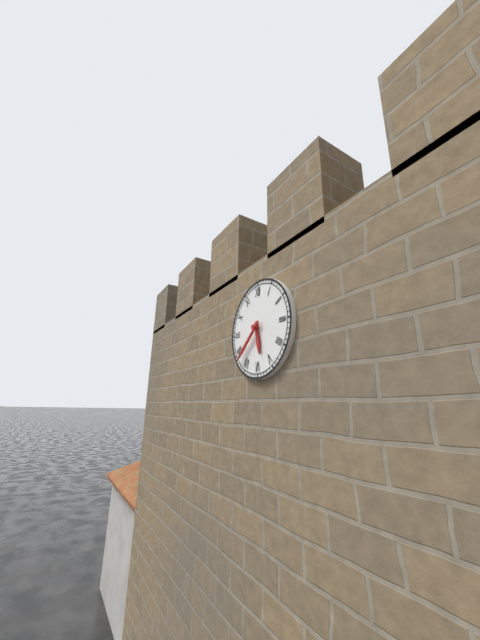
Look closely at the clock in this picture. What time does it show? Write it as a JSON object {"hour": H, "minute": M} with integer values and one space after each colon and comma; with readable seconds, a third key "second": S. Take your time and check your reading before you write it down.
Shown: {"hour": 5, "minute": 38}
